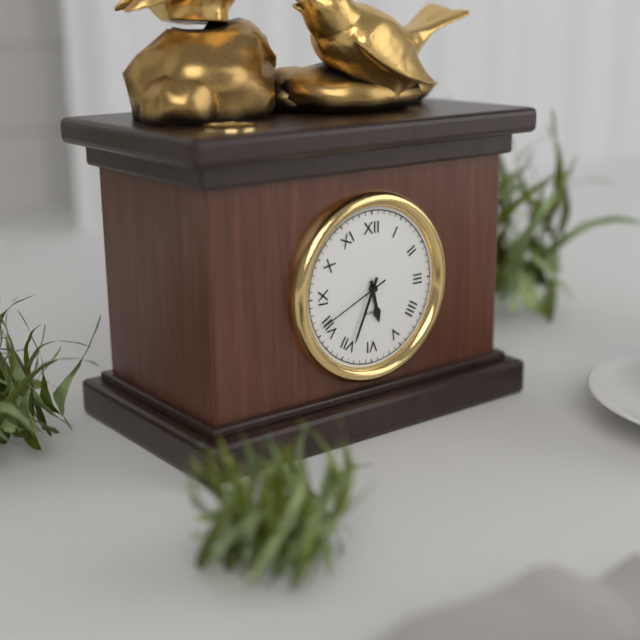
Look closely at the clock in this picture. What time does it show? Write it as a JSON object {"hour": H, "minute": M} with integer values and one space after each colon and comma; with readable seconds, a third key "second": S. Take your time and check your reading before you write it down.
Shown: {"hour": 5, "minute": 34, "second": 41}
